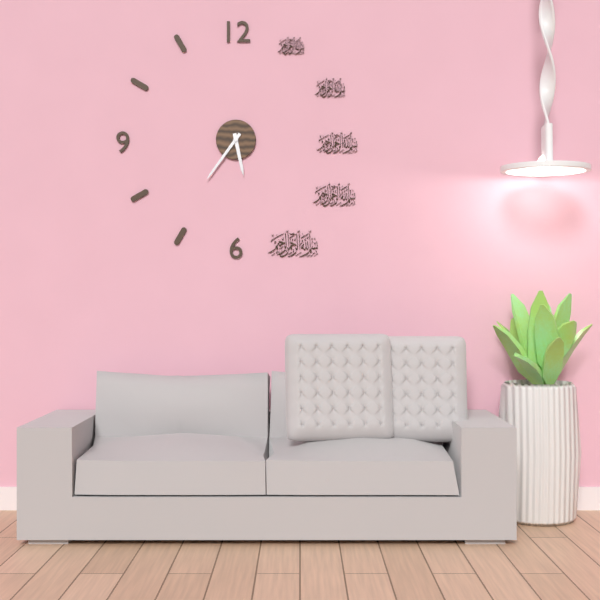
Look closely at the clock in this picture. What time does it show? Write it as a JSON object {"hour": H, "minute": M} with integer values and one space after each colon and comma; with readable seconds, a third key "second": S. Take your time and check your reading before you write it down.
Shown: {"hour": 5, "minute": 36}
